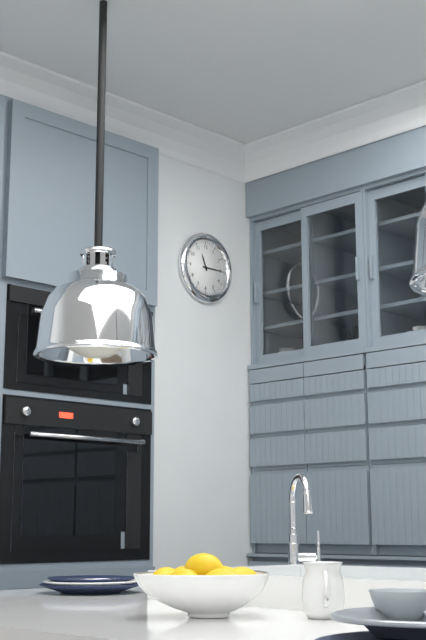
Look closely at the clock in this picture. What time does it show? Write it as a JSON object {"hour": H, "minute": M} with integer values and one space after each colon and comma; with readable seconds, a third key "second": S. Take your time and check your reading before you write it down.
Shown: {"hour": 11, "minute": 15}
